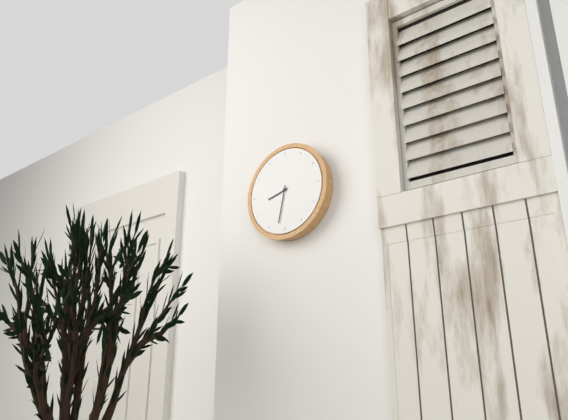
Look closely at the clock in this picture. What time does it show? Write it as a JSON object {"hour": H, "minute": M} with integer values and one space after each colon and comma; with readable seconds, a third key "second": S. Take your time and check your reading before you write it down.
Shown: {"hour": 8, "minute": 32}
